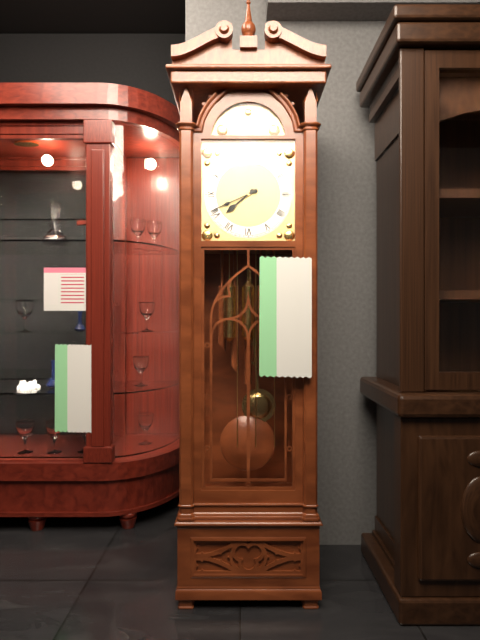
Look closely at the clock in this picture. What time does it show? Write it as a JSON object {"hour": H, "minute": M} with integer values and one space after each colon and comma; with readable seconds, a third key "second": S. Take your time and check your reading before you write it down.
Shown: {"hour": 7, "minute": 41}
